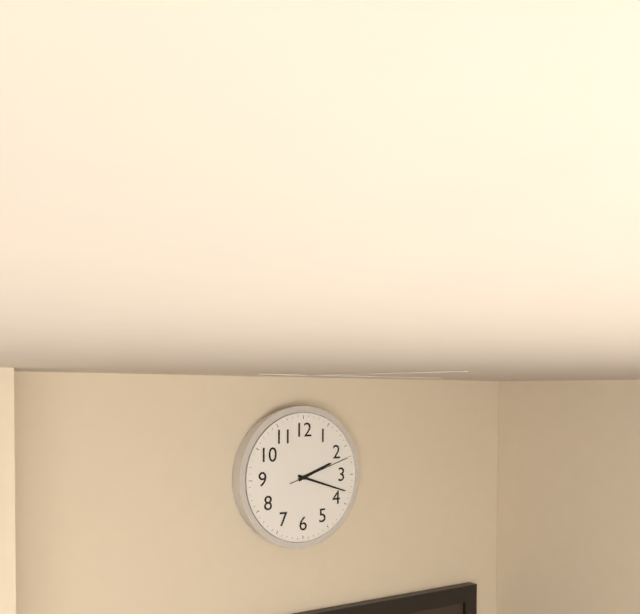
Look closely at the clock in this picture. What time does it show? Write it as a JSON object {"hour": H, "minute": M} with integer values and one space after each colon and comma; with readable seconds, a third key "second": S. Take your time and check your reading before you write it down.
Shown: {"hour": 2, "minute": 18, "second": 12}
